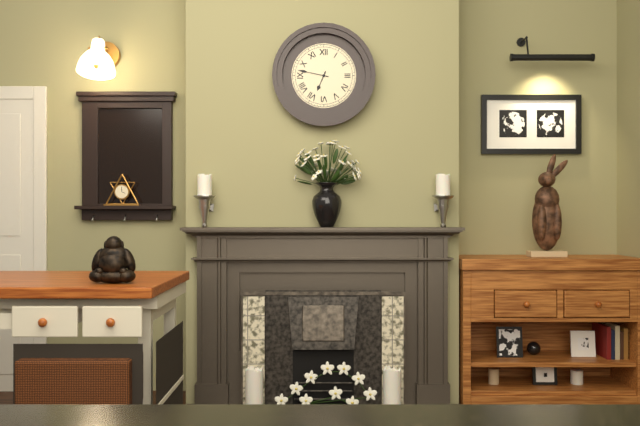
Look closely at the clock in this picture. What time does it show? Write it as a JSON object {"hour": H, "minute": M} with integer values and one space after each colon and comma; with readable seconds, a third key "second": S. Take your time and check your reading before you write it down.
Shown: {"hour": 6, "minute": 47}
